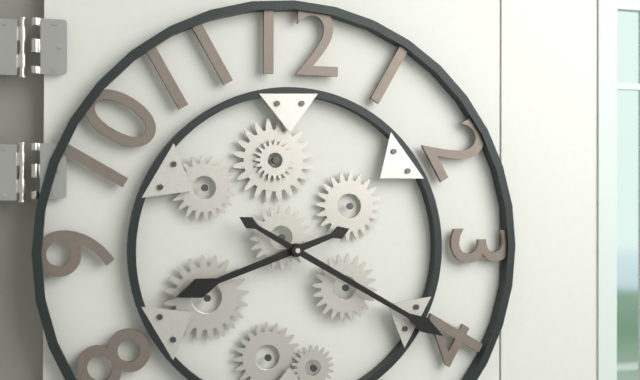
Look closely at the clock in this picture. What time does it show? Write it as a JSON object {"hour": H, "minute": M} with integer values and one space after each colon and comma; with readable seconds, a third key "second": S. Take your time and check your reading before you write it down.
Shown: {"hour": 8, "minute": 20}
